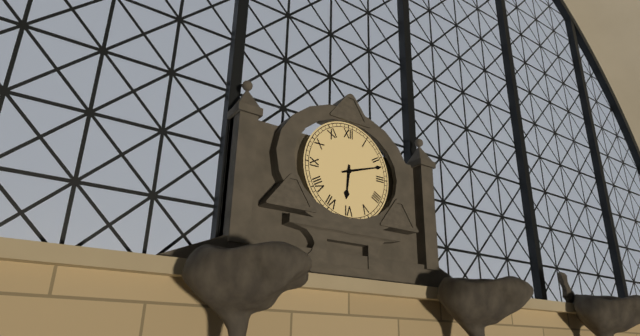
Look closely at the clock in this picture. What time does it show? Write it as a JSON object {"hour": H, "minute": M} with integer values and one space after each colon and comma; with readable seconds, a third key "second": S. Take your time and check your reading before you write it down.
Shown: {"hour": 6, "minute": 12}
